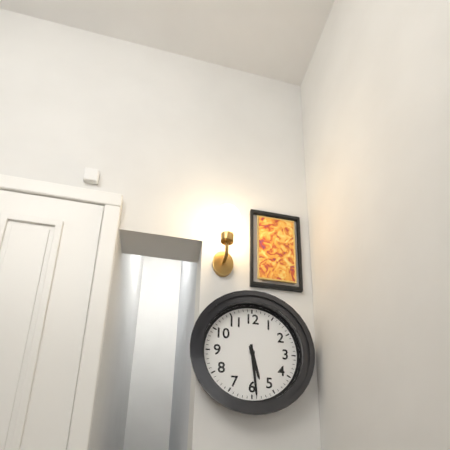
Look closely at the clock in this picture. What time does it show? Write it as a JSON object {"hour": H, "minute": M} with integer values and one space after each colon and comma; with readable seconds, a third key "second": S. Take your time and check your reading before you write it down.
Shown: {"hour": 5, "minute": 29}
